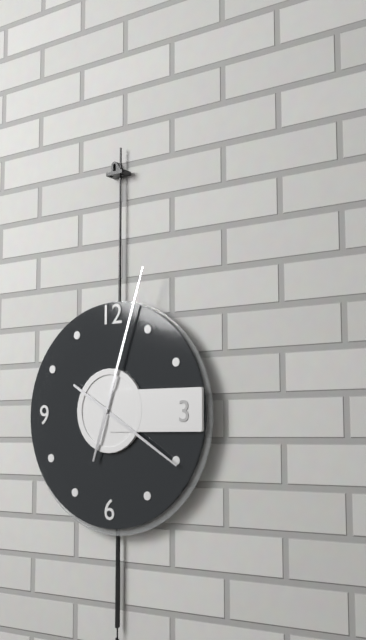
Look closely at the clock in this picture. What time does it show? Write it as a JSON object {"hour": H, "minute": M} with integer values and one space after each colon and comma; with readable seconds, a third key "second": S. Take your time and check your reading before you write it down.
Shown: {"hour": 4, "minute": 3}
